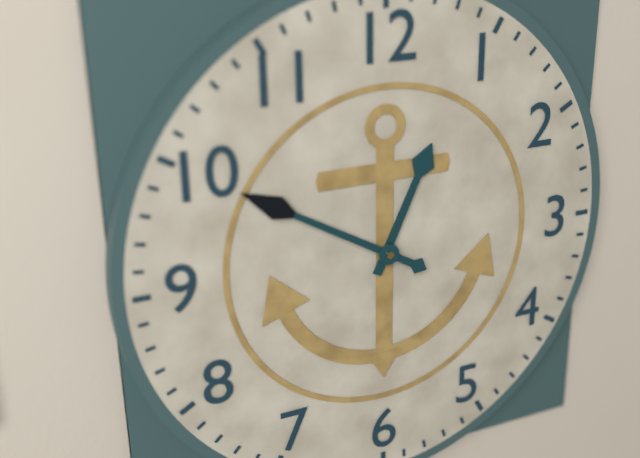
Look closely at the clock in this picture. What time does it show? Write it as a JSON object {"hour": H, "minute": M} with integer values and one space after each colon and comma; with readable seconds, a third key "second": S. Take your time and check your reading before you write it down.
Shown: {"hour": 12, "minute": 50}
